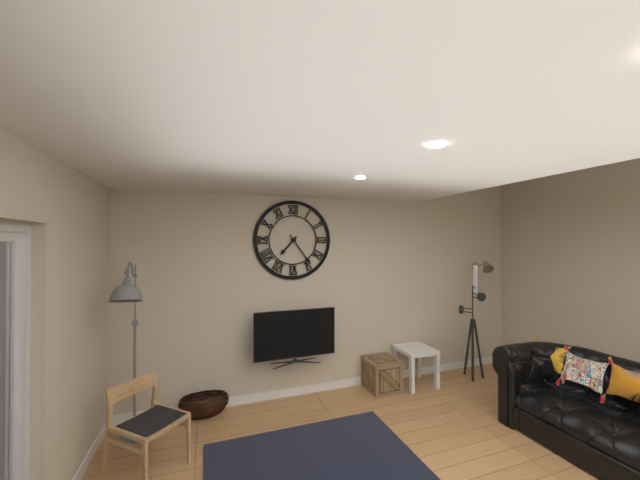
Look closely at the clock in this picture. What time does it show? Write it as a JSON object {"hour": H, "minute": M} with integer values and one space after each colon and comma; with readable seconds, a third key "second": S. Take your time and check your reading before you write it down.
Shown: {"hour": 7, "minute": 24}
